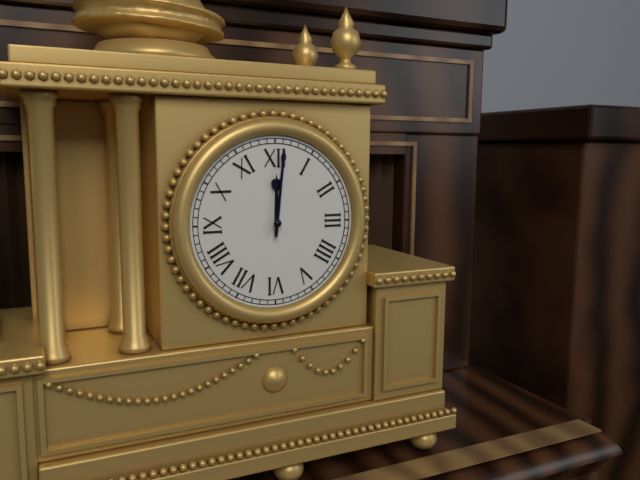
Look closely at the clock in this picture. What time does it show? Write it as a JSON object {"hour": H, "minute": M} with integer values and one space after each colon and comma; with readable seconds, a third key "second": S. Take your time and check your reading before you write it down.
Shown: {"hour": 12, "minute": 1}
